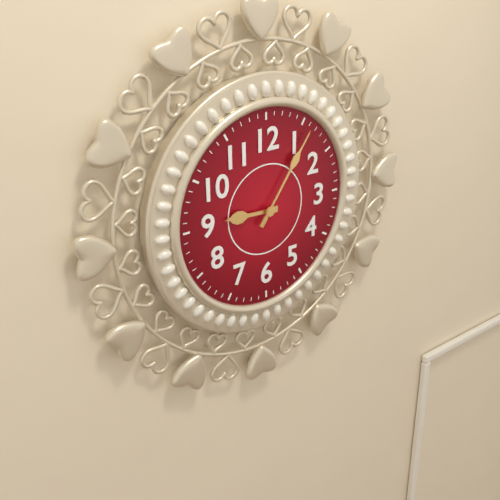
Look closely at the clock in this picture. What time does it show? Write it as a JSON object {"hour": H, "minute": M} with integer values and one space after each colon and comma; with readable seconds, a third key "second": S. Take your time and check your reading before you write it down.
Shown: {"hour": 9, "minute": 6}
